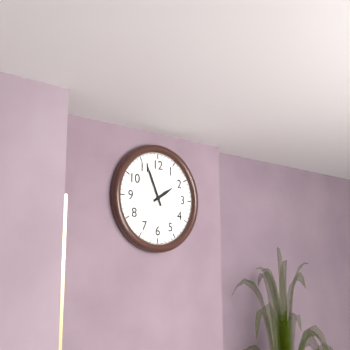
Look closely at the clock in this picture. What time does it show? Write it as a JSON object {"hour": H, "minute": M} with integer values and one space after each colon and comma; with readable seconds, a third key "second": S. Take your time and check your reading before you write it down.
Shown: {"hour": 1, "minute": 56}
